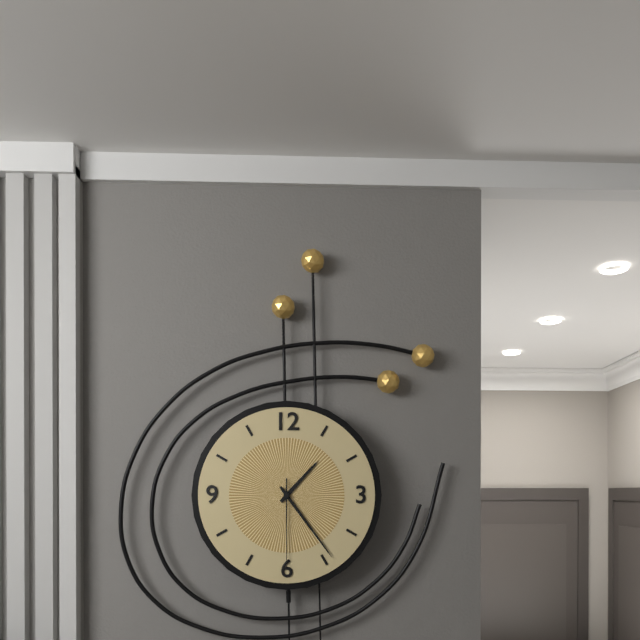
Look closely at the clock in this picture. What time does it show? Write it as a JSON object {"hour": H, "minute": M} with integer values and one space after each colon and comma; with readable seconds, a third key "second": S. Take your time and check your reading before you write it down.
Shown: {"hour": 1, "minute": 24, "second": 30}
